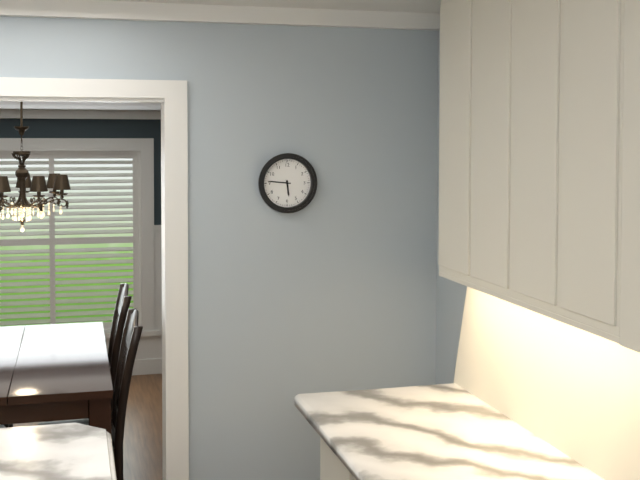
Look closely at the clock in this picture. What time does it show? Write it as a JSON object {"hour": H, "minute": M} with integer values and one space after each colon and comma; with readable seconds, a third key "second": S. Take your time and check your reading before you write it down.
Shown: {"hour": 5, "minute": 46}
